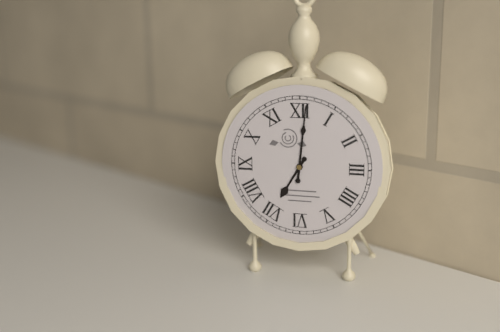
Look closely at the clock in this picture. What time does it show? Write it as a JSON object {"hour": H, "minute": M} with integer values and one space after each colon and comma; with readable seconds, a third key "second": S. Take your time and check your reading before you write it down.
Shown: {"hour": 7, "minute": 1}
